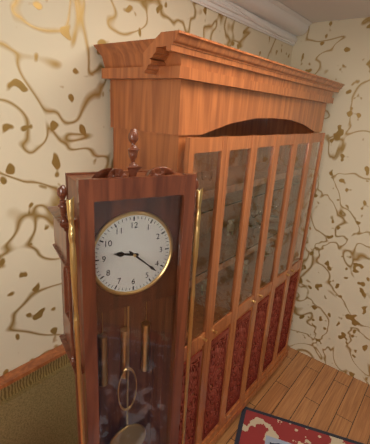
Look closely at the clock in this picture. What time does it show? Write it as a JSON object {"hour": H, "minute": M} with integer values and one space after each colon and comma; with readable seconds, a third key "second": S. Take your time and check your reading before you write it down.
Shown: {"hour": 9, "minute": 22}
